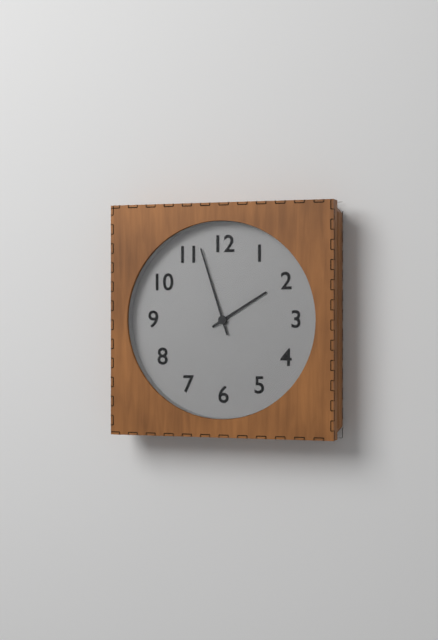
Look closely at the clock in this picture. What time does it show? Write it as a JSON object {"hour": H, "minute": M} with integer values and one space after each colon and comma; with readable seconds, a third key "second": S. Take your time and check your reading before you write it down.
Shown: {"hour": 1, "minute": 57}
